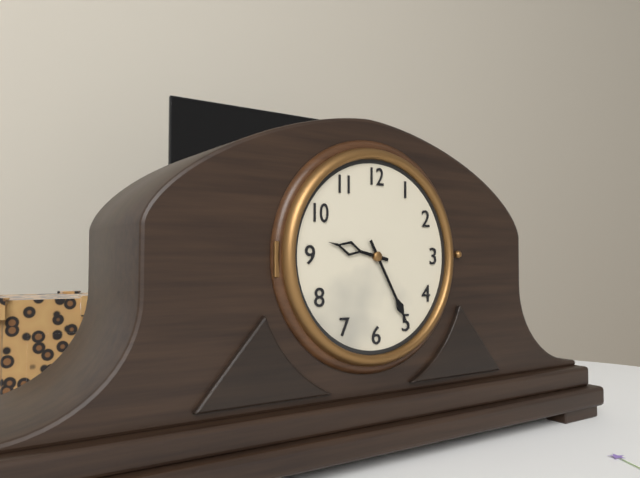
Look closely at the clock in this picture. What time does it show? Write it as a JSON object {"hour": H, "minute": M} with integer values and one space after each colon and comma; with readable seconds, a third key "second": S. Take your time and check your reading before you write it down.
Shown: {"hour": 9, "minute": 25}
